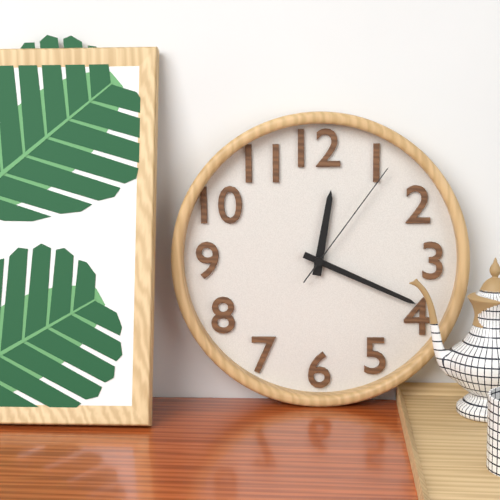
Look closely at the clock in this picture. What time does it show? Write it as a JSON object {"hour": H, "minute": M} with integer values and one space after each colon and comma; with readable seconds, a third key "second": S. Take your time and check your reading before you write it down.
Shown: {"hour": 12, "minute": 19, "second": 6}
